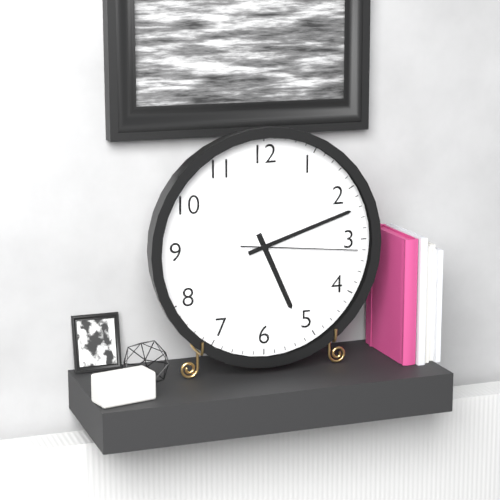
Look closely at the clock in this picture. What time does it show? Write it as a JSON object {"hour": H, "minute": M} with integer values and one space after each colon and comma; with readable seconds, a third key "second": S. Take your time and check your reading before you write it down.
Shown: {"hour": 5, "minute": 12, "second": 16}
